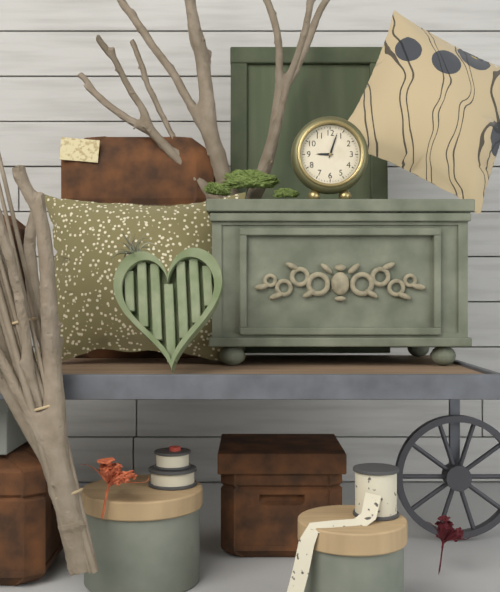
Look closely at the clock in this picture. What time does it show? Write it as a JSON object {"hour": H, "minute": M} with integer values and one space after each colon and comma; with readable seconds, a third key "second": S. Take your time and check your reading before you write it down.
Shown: {"hour": 9, "minute": 3}
